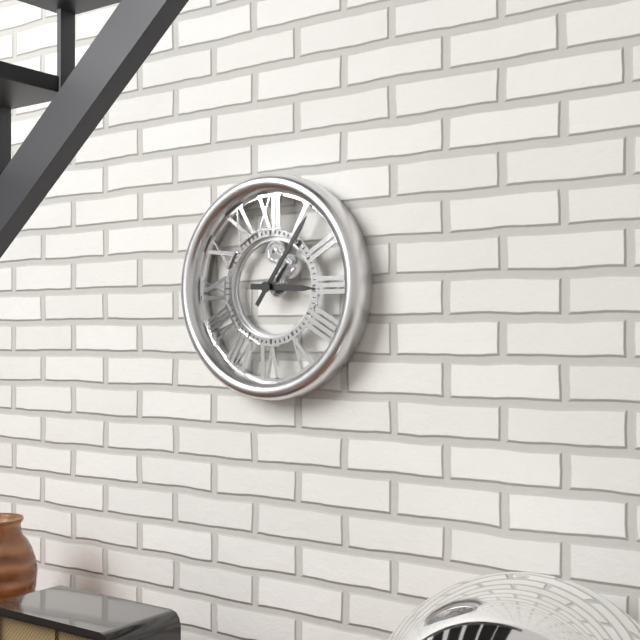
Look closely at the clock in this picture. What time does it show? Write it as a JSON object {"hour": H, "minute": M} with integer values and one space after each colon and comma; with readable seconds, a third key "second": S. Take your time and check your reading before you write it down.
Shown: {"hour": 3, "minute": 6}
